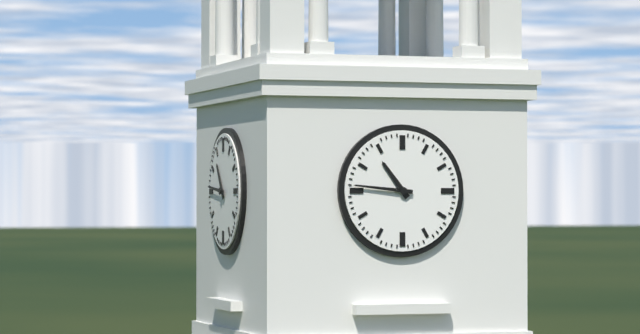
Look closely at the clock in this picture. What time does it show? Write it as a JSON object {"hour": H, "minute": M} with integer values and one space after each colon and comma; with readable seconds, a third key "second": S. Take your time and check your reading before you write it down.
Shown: {"hour": 10, "minute": 46}
